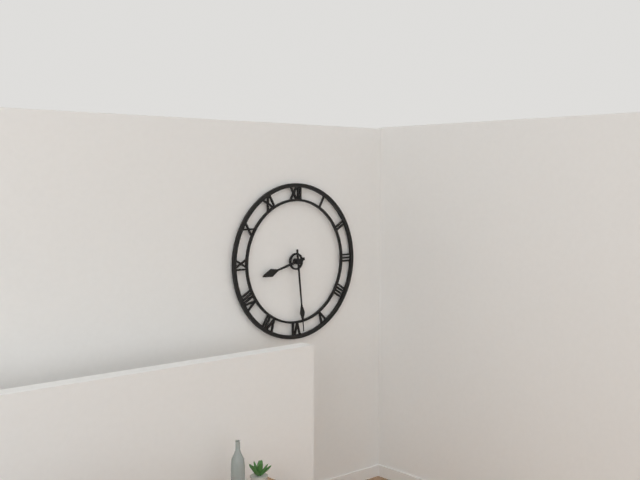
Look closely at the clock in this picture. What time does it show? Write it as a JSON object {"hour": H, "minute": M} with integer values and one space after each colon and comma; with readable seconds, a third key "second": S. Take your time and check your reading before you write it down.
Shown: {"hour": 8, "minute": 29}
